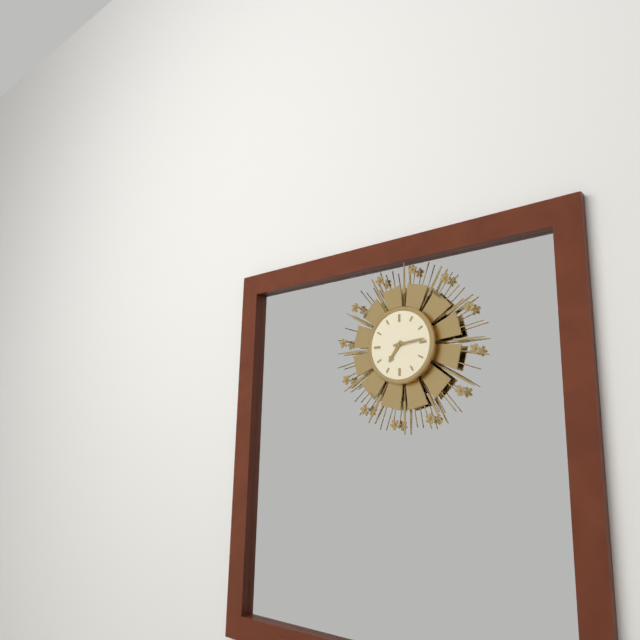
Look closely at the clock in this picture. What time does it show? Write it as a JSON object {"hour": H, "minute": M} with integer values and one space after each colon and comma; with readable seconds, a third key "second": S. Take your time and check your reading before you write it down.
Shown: {"hour": 7, "minute": 14}
